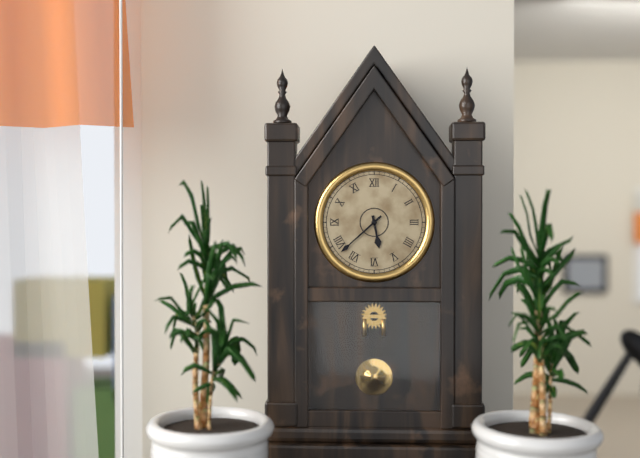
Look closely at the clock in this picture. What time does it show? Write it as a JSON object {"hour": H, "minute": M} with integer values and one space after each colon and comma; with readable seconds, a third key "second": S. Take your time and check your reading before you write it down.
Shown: {"hour": 5, "minute": 38}
